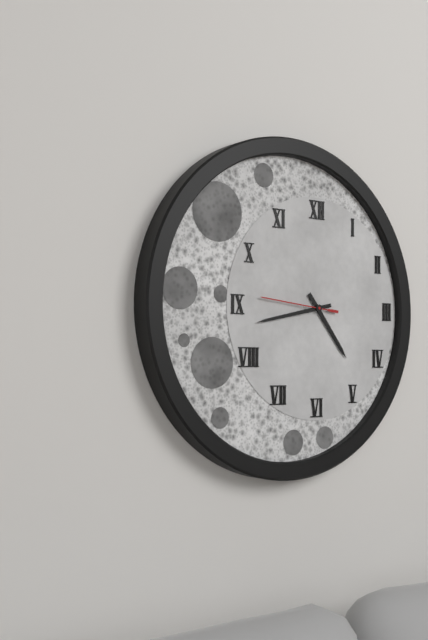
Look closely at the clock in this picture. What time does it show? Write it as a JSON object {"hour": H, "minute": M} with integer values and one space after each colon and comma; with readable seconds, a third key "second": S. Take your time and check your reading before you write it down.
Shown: {"hour": 4, "minute": 43, "second": 46}
